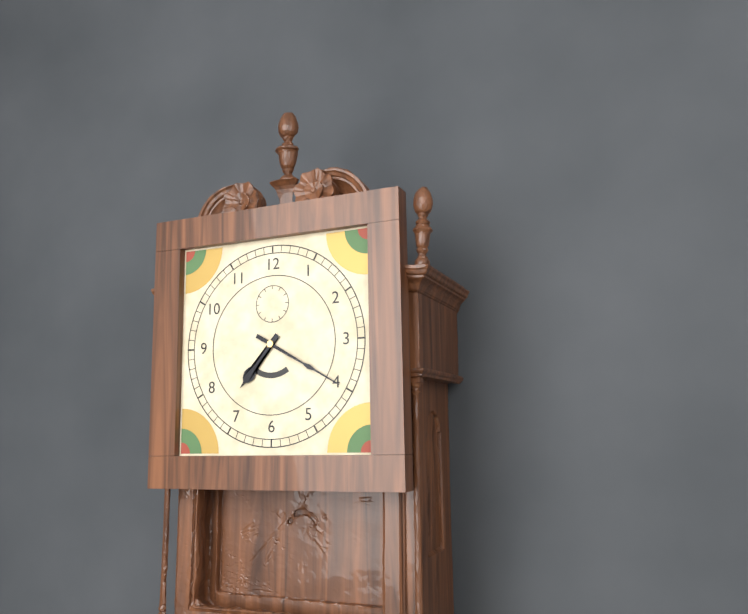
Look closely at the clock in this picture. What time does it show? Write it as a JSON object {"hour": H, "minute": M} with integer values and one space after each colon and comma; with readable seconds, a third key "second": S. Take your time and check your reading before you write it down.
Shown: {"hour": 7, "minute": 20}
